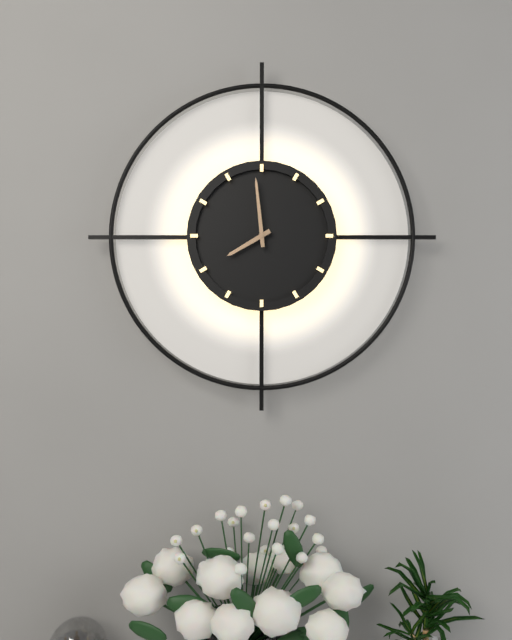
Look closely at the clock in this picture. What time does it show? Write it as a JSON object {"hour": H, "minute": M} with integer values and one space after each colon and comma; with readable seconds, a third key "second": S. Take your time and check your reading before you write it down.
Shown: {"hour": 7, "minute": 59}
